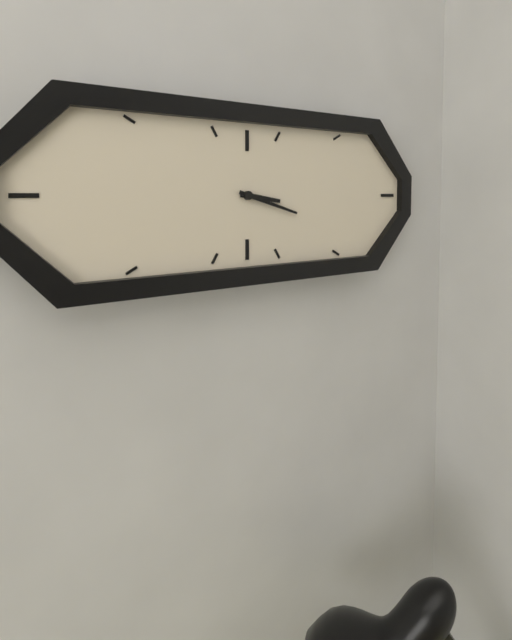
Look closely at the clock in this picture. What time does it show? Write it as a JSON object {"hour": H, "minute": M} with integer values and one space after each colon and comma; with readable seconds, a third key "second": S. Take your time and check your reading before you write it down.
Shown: {"hour": 3, "minute": 18}
